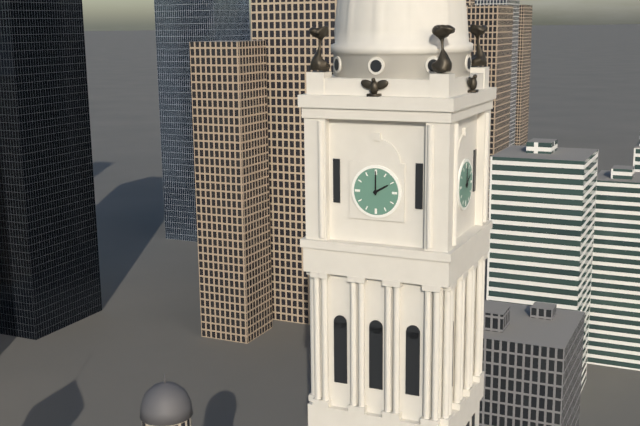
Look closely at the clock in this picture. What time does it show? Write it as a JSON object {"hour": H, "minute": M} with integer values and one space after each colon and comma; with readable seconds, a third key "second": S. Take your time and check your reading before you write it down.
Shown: {"hour": 2, "minute": 0}
